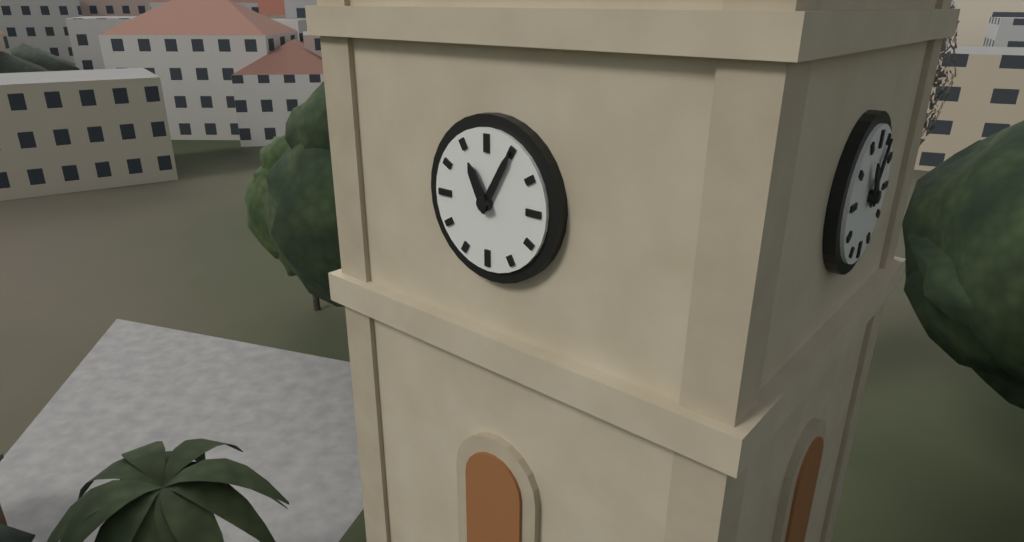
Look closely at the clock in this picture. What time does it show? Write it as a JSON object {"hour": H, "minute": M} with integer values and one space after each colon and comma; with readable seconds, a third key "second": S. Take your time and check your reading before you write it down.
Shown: {"hour": 11, "minute": 5}
